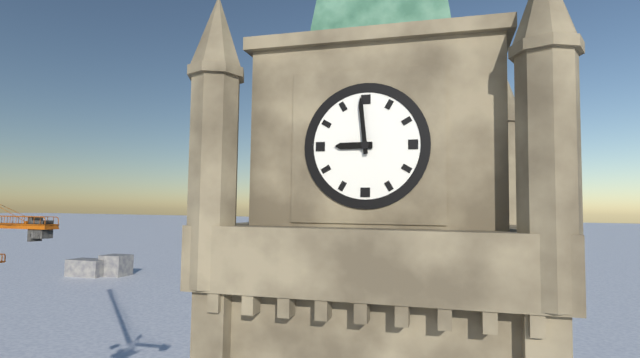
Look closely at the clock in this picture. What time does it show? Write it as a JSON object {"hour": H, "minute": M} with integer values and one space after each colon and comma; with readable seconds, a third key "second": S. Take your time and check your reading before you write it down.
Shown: {"hour": 8, "minute": 59}
